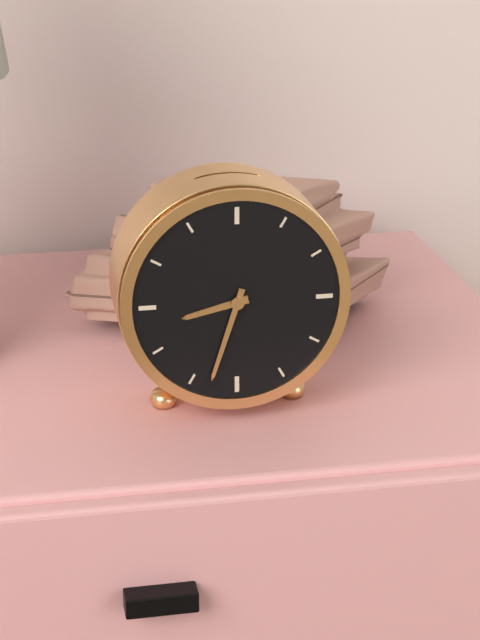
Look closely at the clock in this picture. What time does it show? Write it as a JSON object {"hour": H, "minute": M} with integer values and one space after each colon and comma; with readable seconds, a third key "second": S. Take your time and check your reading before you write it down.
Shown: {"hour": 8, "minute": 33}
